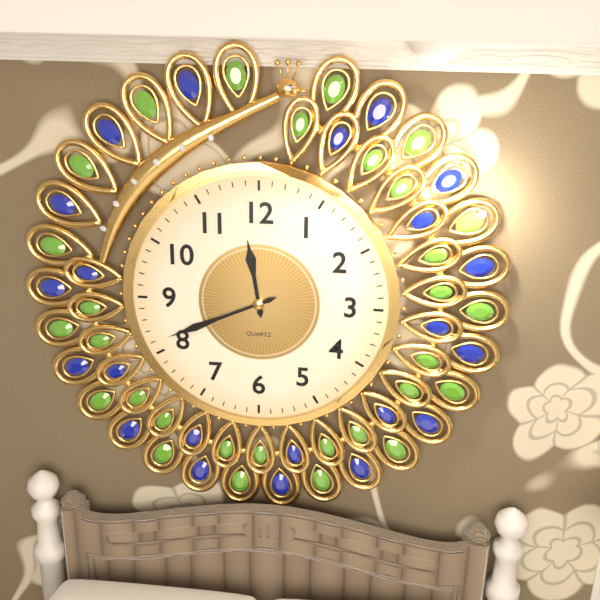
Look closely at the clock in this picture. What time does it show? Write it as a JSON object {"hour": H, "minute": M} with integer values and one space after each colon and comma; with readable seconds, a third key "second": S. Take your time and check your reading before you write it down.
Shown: {"hour": 11, "minute": 41}
